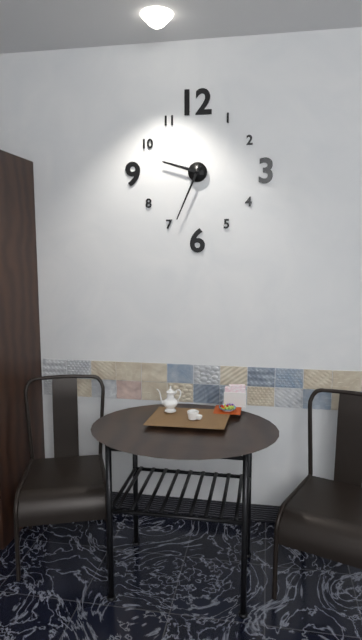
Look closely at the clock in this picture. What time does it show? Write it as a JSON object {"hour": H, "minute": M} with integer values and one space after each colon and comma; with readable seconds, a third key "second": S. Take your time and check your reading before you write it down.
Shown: {"hour": 9, "minute": 34}
